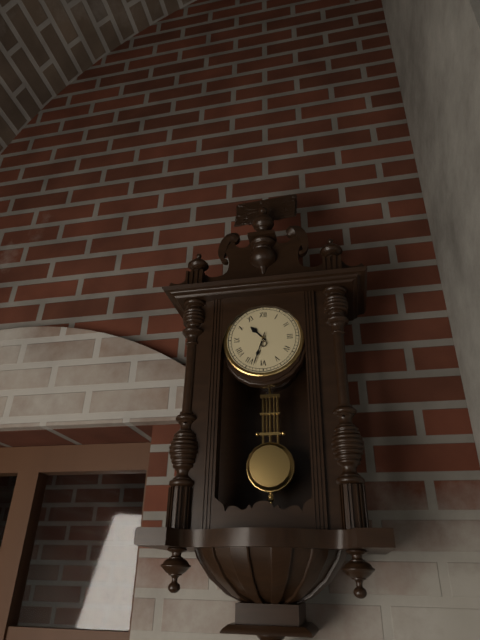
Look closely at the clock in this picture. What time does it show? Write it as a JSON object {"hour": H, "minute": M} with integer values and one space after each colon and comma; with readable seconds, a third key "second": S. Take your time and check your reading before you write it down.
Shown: {"hour": 10, "minute": 33}
